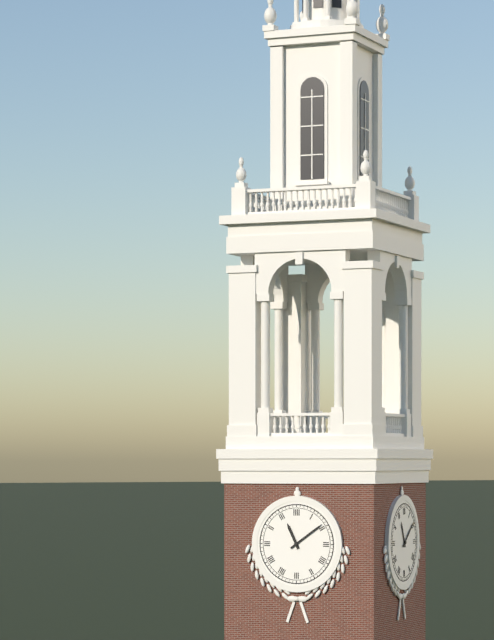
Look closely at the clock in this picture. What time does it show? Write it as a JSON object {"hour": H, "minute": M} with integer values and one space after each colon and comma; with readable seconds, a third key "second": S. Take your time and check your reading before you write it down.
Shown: {"hour": 11, "minute": 9}
